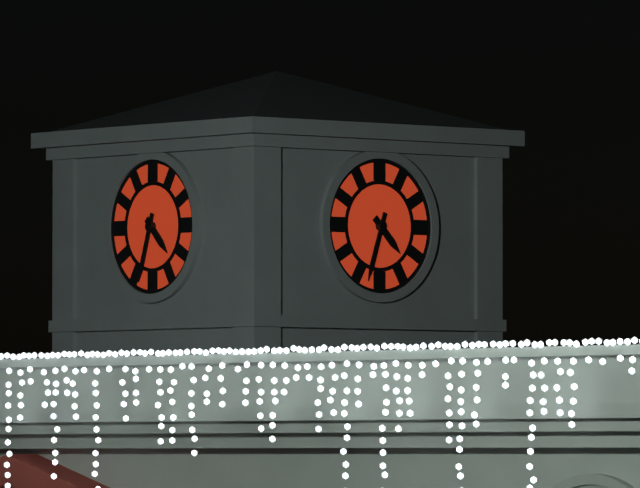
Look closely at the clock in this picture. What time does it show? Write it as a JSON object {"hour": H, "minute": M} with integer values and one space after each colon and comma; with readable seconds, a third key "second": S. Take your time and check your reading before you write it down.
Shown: {"hour": 4, "minute": 33}
